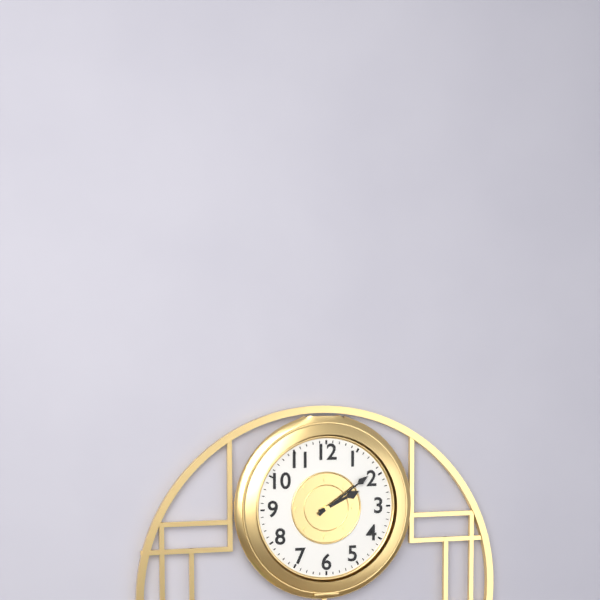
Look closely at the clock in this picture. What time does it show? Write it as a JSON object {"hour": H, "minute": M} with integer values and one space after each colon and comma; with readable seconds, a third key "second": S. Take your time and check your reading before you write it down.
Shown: {"hour": 2, "minute": 9}
